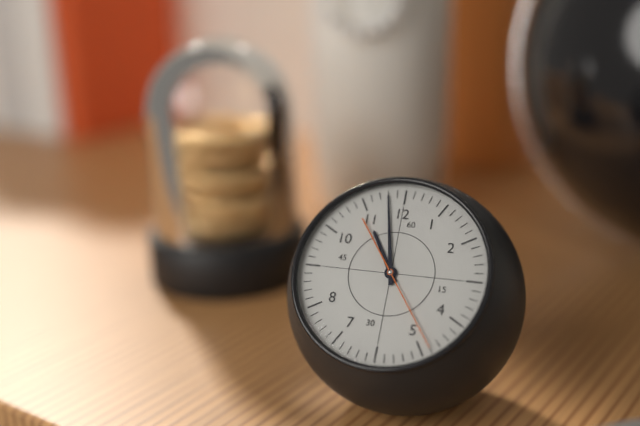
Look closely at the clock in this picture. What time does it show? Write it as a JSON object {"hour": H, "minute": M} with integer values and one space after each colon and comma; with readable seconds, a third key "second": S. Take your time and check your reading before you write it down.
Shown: {"hour": 10, "minute": 58, "second": 24}
